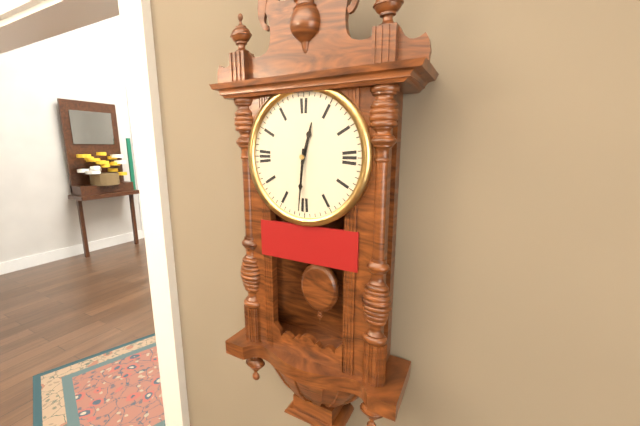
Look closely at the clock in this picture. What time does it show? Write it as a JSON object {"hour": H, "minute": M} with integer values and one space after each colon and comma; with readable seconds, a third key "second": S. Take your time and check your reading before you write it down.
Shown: {"hour": 12, "minute": 31}
